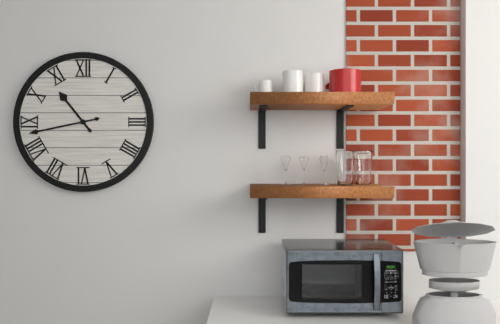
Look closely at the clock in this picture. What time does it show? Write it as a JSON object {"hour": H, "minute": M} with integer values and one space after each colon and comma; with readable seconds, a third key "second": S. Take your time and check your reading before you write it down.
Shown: {"hour": 10, "minute": 43}
